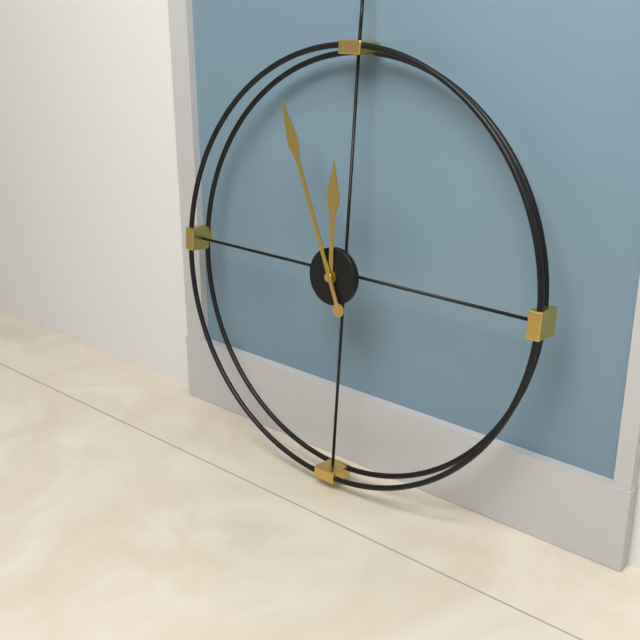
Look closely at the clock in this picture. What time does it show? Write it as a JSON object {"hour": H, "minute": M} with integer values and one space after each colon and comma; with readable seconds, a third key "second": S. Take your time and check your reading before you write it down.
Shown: {"hour": 11, "minute": 56}
